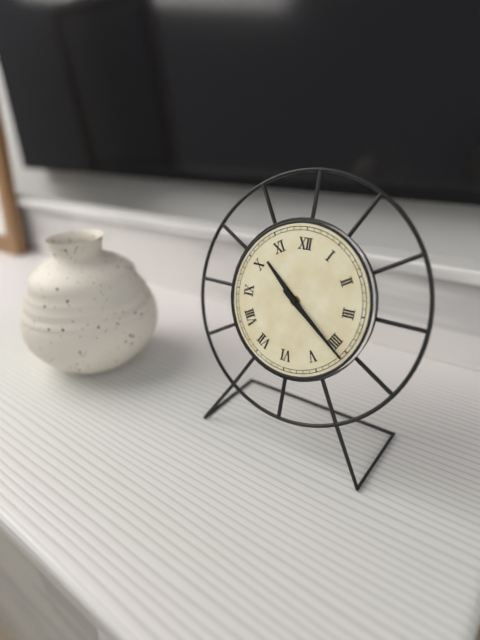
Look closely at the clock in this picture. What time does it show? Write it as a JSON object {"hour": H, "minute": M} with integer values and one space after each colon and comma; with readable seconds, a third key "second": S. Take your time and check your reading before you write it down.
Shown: {"hour": 10, "minute": 21}
